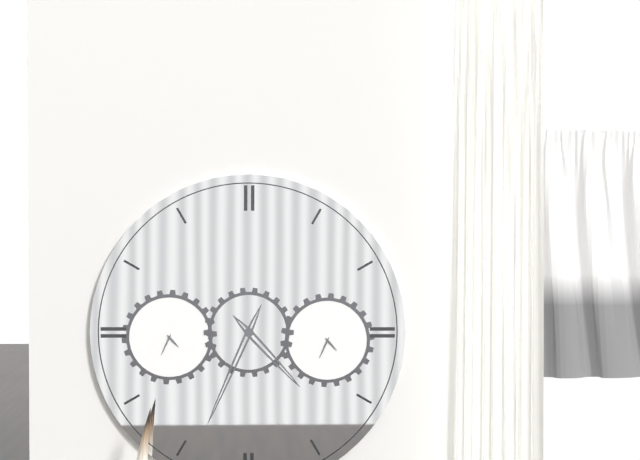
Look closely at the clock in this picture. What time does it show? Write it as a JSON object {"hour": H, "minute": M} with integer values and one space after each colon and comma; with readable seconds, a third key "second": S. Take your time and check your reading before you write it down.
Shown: {"hour": 4, "minute": 34}
